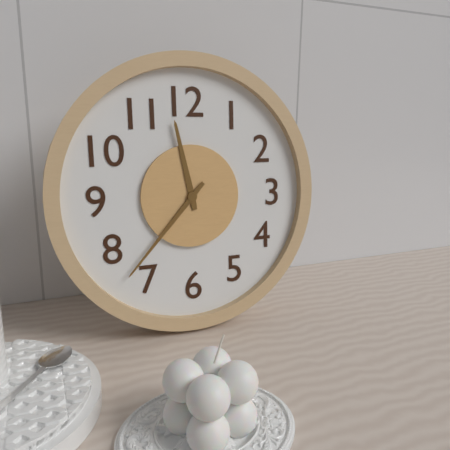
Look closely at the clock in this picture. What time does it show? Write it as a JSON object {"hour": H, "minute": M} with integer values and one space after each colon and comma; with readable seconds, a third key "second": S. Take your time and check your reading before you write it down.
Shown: {"hour": 11, "minute": 37}
